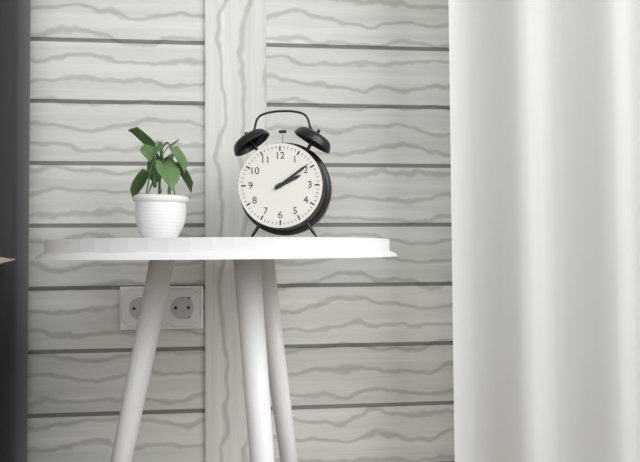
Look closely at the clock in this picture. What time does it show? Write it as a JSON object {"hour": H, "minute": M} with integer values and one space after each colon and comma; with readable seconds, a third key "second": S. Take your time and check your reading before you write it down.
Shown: {"hour": 2, "minute": 9}
